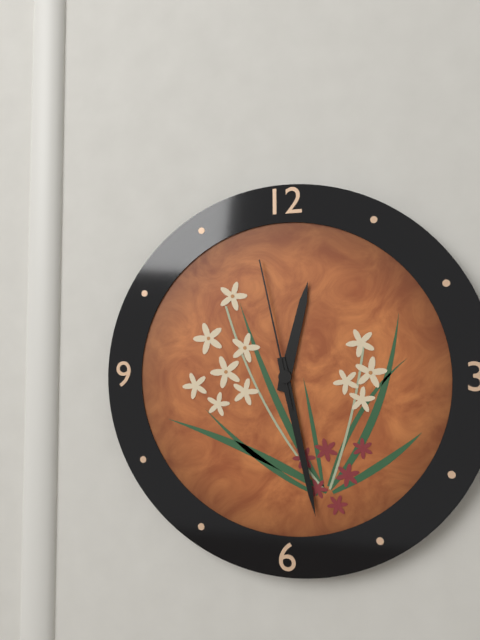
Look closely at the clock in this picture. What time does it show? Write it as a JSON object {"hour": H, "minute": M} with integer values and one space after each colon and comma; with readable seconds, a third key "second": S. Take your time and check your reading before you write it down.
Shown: {"hour": 12, "minute": 28, "second": 58}
